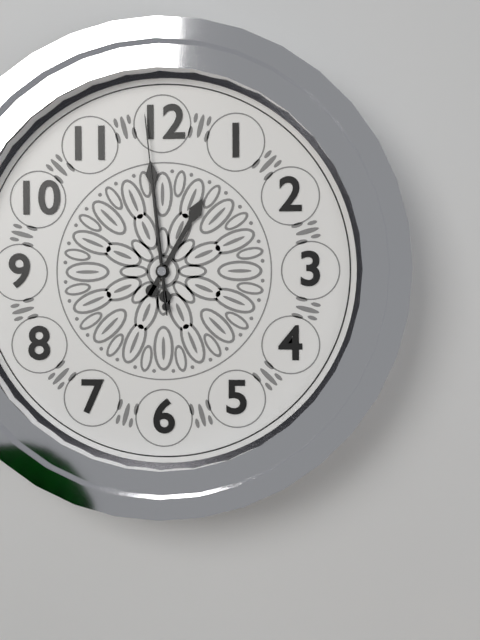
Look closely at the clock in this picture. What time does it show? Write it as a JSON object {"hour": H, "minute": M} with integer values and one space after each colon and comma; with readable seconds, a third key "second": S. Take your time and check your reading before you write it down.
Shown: {"hour": 12, "minute": 59, "second": 59}
